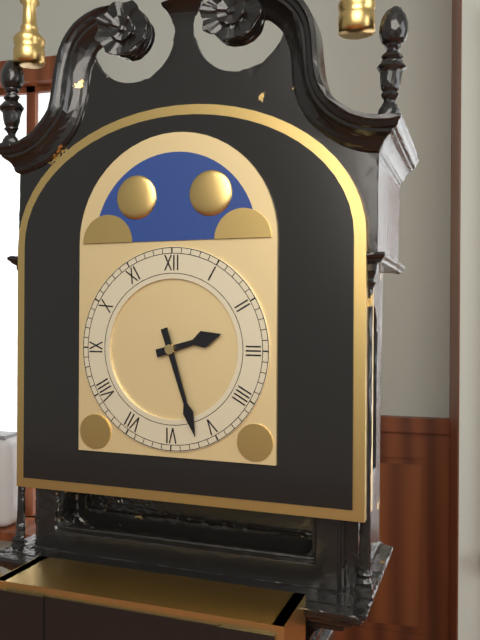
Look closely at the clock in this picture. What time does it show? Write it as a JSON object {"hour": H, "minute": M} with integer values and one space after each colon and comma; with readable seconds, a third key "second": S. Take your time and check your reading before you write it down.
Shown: {"hour": 2, "minute": 27}
